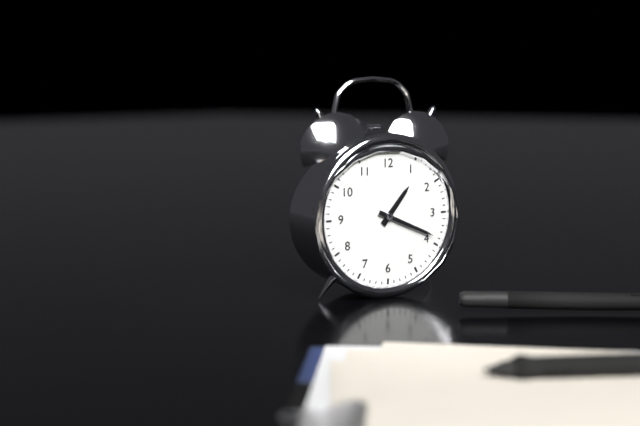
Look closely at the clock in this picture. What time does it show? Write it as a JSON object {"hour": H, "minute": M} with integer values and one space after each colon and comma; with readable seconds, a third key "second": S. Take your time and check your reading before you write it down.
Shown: {"hour": 1, "minute": 19}
